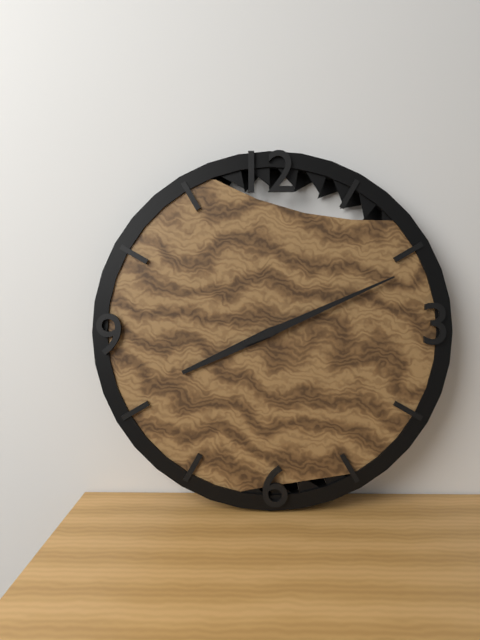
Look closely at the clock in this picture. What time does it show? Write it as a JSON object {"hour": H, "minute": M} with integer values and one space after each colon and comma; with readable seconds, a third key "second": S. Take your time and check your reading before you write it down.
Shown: {"hour": 8, "minute": 11}
